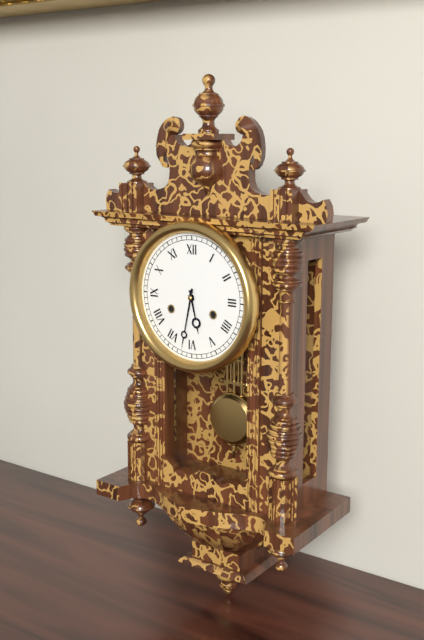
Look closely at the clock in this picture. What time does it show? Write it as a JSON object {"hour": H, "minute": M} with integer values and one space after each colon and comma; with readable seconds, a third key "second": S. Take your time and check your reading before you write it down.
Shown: {"hour": 5, "minute": 32}
